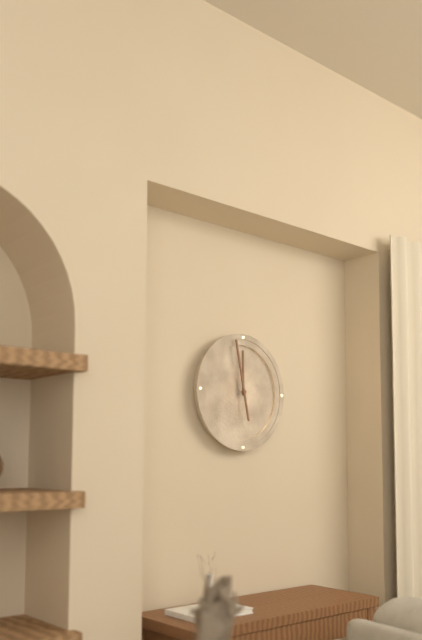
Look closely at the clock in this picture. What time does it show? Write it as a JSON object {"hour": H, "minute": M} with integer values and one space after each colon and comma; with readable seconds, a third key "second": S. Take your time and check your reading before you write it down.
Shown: {"hour": 11, "minute": 58}
